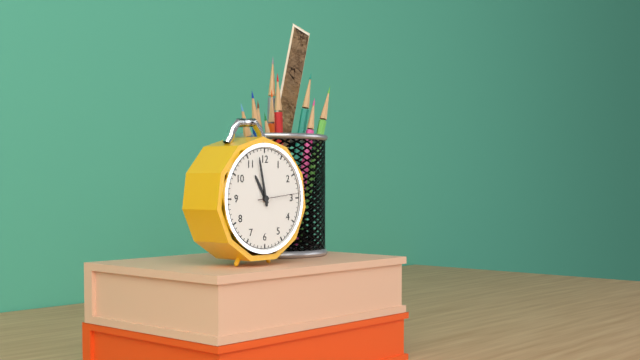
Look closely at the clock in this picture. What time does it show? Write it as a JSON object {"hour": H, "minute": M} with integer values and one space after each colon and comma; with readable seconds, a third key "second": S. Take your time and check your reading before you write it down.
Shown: {"hour": 10, "minute": 58}
